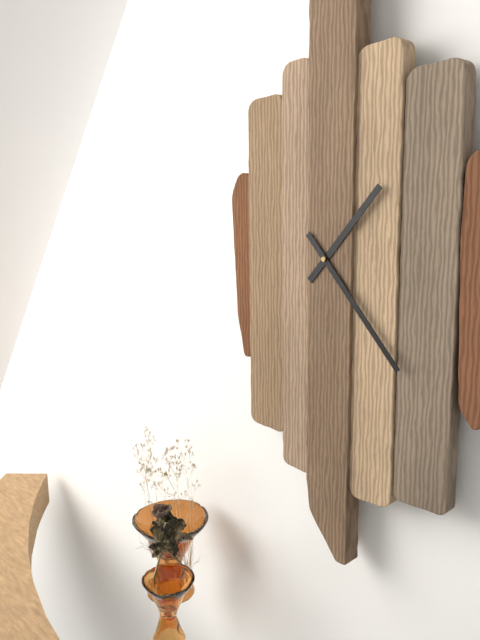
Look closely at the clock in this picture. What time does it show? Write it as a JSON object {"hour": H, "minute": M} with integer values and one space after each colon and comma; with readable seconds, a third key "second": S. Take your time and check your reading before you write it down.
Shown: {"hour": 1, "minute": 23}
